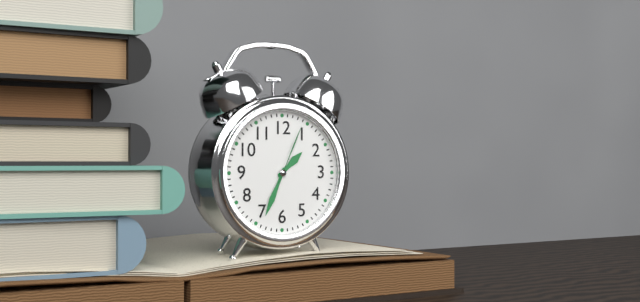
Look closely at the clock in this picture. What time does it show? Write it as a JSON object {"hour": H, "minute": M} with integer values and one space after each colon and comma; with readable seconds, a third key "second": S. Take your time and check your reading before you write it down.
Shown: {"hour": 1, "minute": 34, "second": 4}
